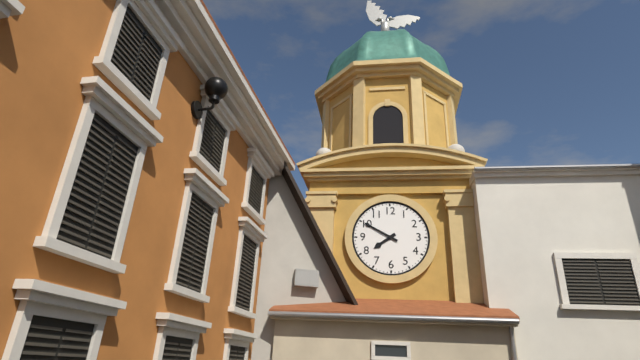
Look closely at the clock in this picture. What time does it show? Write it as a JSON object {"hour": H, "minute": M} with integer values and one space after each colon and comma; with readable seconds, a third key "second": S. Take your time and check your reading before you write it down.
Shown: {"hour": 7, "minute": 50}
